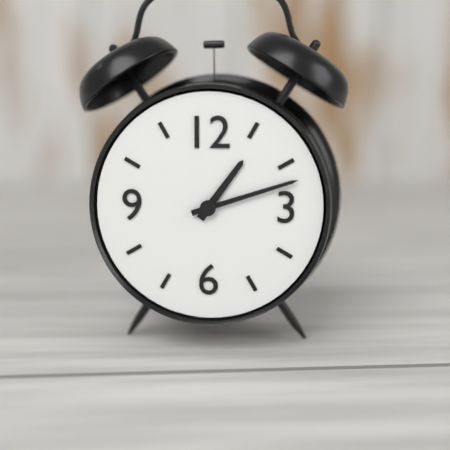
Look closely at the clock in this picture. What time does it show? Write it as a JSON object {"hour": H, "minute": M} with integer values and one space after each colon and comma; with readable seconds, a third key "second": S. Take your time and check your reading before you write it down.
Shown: {"hour": 1, "minute": 12}
